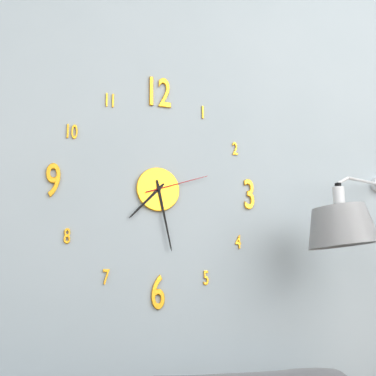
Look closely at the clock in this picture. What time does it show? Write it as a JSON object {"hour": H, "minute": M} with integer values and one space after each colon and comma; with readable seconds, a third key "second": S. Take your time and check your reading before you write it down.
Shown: {"hour": 7, "minute": 28, "second": 12}
